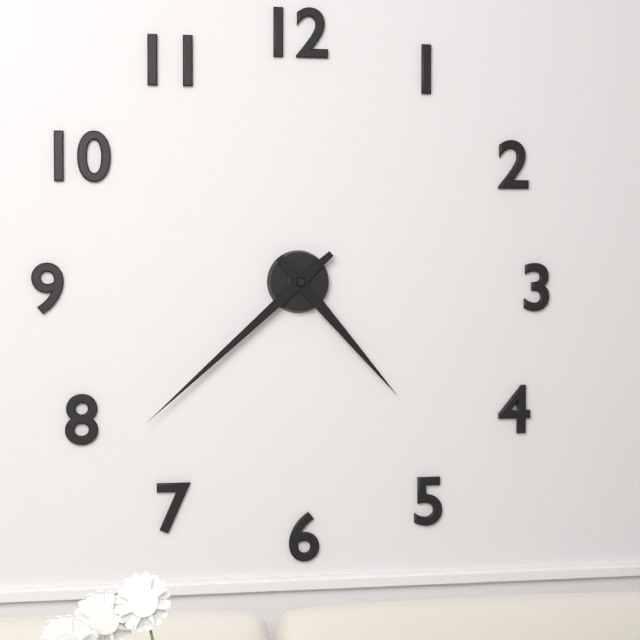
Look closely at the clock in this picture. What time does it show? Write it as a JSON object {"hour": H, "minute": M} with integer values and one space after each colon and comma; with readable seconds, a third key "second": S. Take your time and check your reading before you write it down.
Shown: {"hour": 4, "minute": 38}
